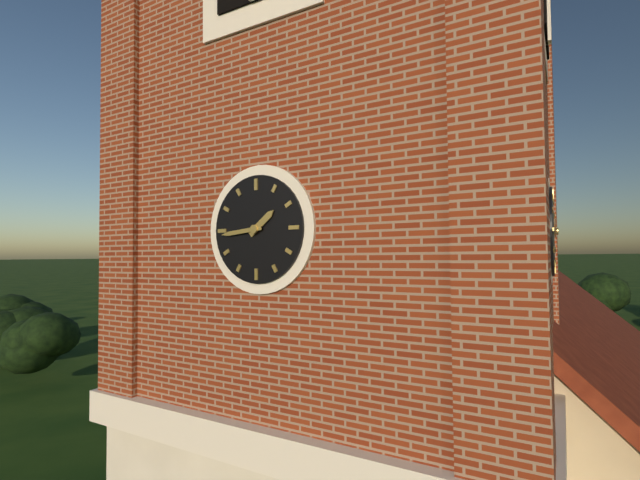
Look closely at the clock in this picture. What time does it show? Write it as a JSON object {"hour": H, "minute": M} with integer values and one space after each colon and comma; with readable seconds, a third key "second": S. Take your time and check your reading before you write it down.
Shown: {"hour": 1, "minute": 44}
